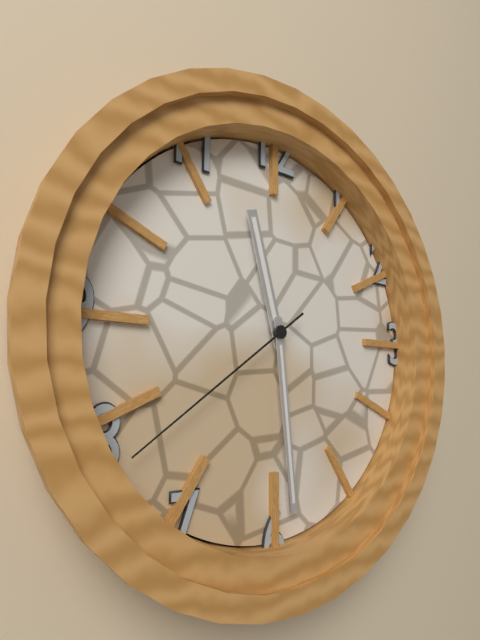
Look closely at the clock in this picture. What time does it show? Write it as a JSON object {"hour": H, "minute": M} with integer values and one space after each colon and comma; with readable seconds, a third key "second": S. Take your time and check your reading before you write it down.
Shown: {"hour": 11, "minute": 29, "second": 39}
